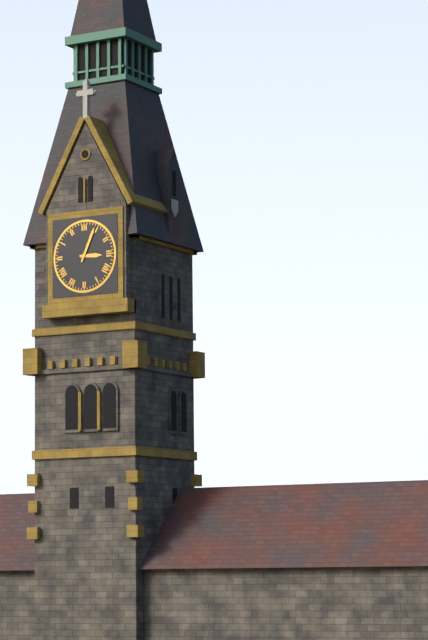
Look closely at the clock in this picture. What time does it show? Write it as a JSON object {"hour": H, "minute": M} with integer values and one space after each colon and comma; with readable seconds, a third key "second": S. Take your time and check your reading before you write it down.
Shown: {"hour": 3, "minute": 4}
